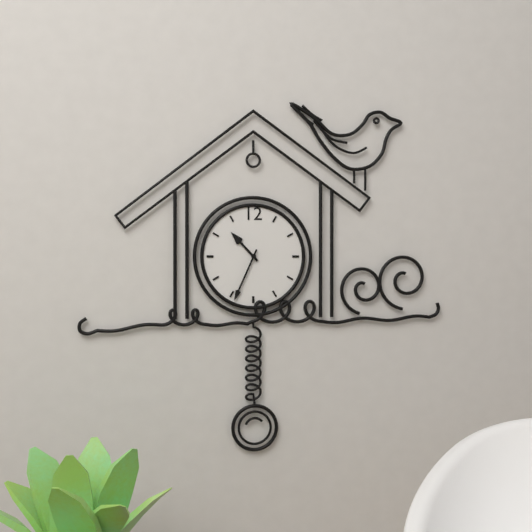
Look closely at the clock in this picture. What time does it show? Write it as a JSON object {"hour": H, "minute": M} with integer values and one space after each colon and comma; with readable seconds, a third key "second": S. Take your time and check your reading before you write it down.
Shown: {"hour": 10, "minute": 34}
